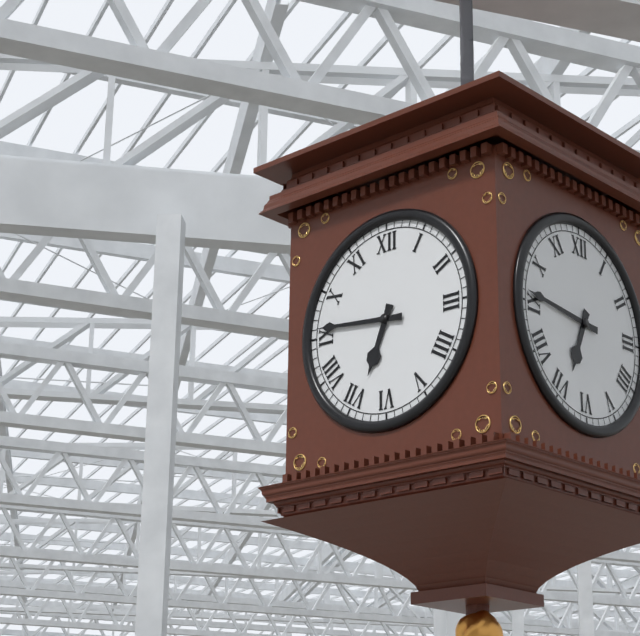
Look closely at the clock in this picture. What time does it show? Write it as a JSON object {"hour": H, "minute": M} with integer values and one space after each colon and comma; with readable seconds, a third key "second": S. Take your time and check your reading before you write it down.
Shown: {"hour": 6, "minute": 46}
